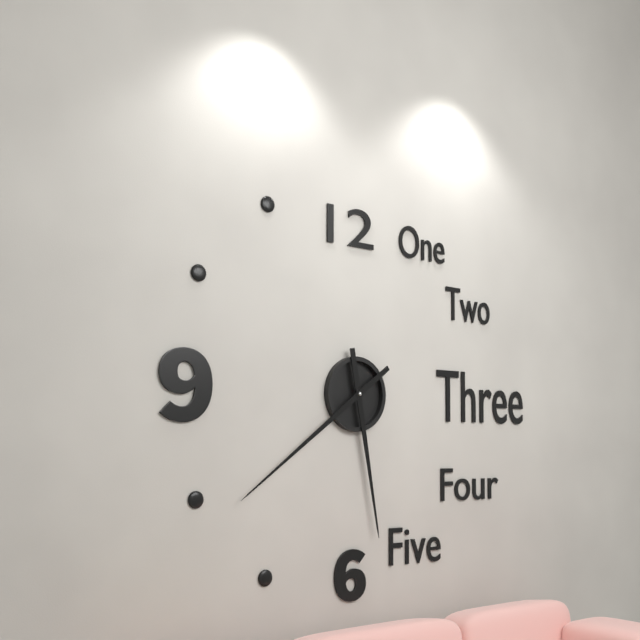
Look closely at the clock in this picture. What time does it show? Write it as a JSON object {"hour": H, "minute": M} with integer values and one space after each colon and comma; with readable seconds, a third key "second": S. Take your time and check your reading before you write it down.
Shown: {"hour": 5, "minute": 39}
